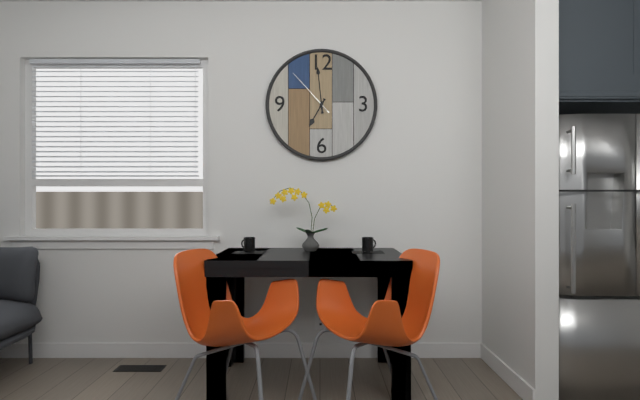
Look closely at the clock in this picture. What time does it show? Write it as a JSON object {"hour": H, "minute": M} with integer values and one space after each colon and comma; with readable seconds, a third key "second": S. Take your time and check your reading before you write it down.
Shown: {"hour": 6, "minute": 59, "second": 53}
